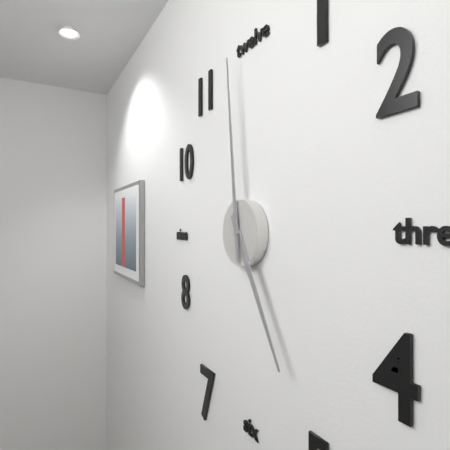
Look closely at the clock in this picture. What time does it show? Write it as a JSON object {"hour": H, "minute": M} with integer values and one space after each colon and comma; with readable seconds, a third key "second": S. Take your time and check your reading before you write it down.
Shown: {"hour": 4, "minute": 59}
